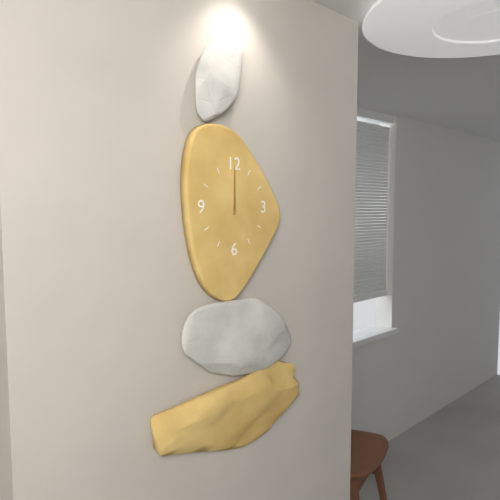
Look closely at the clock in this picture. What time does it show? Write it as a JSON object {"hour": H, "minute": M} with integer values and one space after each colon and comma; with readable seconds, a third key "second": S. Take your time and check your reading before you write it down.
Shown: {"hour": 12, "minute": 0}
